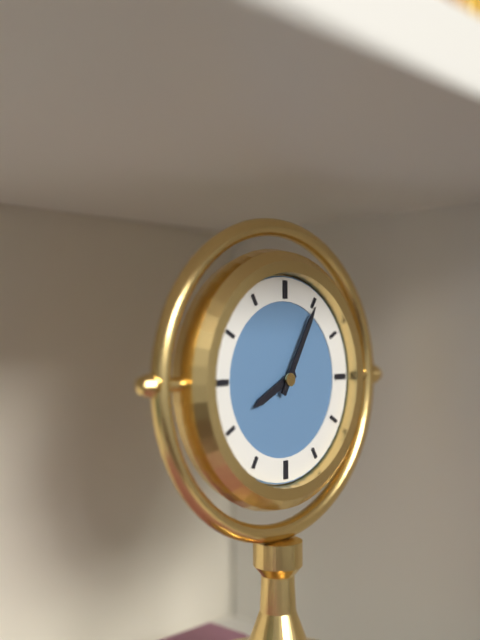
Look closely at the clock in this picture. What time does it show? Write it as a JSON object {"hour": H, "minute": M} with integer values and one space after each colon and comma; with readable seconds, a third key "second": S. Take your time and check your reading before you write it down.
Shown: {"hour": 8, "minute": 5}
